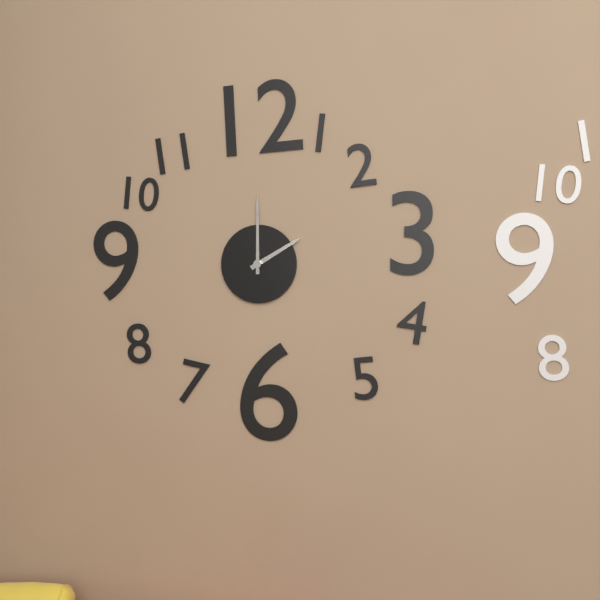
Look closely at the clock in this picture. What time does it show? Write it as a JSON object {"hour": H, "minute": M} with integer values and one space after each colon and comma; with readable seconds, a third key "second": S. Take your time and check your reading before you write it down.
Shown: {"hour": 2, "minute": 0}
